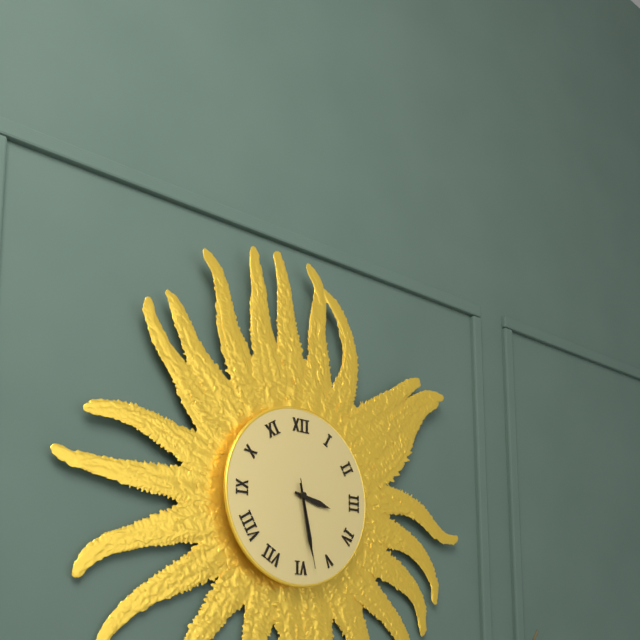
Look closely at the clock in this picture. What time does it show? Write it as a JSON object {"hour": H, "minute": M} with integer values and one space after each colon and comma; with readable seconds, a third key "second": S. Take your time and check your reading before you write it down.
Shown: {"hour": 3, "minute": 28, "second": 28}
